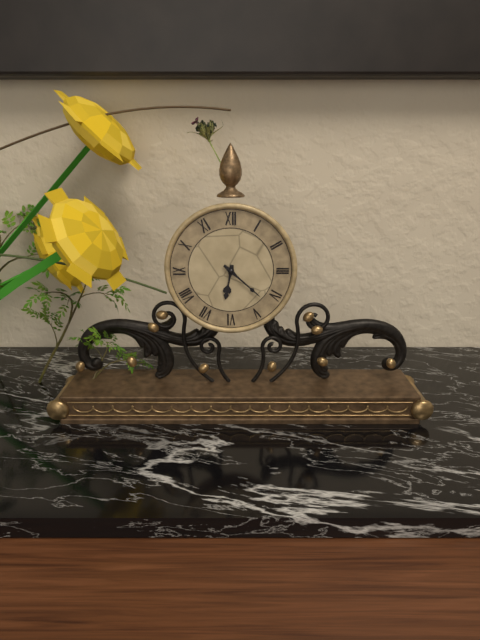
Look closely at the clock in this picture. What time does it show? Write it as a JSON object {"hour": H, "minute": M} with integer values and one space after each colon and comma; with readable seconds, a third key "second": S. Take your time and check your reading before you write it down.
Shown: {"hour": 6, "minute": 22}
